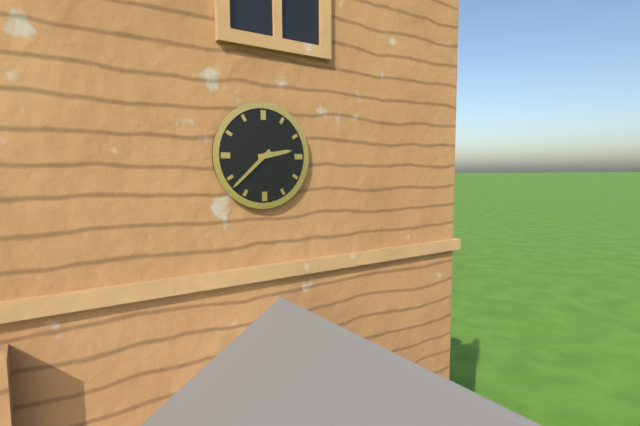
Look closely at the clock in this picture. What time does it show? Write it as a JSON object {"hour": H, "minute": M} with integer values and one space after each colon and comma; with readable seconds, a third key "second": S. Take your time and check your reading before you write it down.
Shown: {"hour": 2, "minute": 38}
